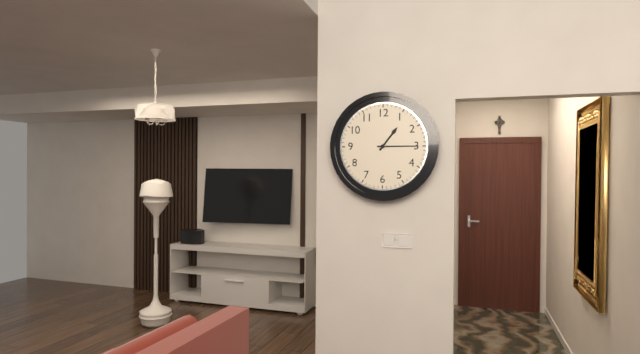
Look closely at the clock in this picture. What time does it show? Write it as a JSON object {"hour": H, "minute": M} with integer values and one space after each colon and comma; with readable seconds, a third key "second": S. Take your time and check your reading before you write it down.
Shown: {"hour": 1, "minute": 15}
